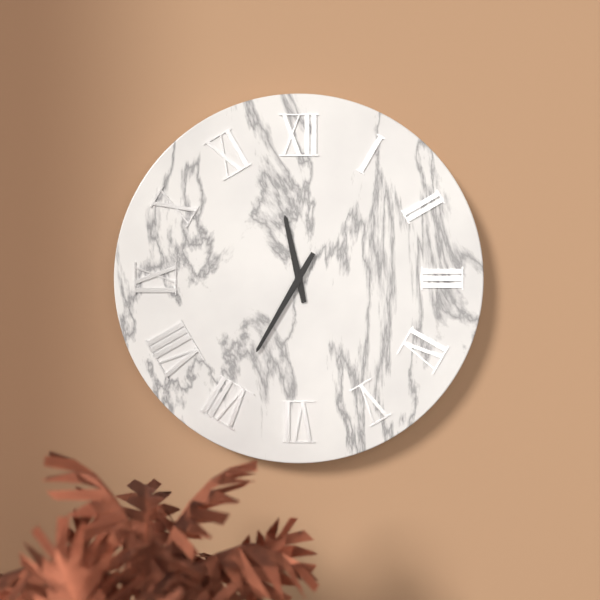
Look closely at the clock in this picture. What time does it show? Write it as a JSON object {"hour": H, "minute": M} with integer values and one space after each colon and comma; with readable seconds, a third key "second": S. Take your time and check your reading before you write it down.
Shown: {"hour": 11, "minute": 35}
